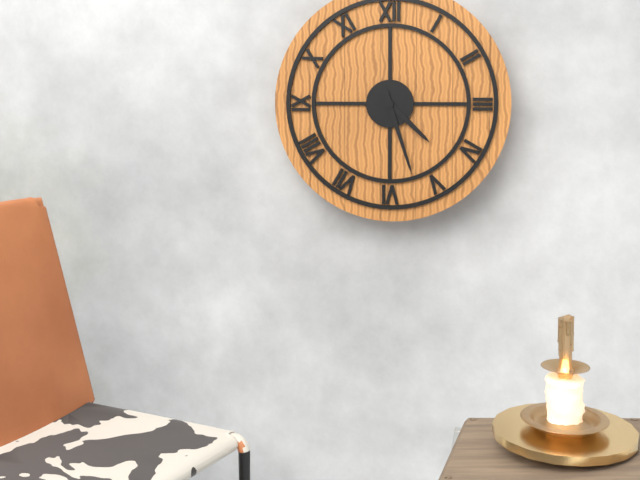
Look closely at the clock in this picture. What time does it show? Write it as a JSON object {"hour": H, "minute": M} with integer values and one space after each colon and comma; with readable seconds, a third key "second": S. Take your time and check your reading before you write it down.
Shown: {"hour": 4, "minute": 27}
